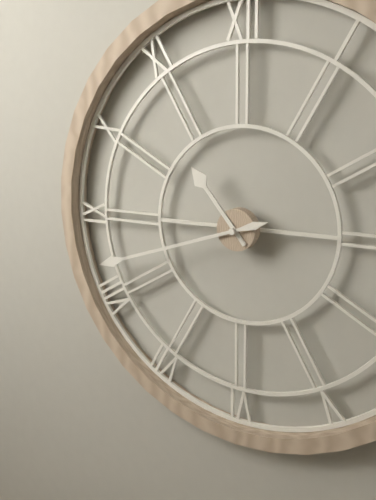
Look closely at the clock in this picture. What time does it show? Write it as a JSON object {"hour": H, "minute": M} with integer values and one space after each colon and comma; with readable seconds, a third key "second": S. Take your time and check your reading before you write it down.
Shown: {"hour": 10, "minute": 42}
